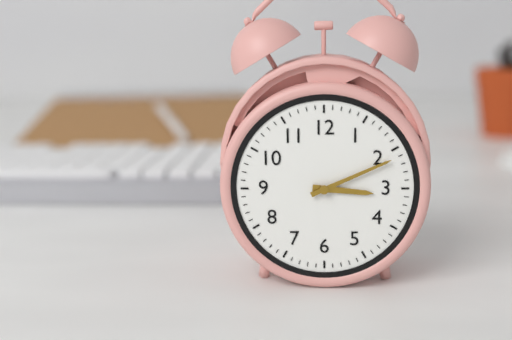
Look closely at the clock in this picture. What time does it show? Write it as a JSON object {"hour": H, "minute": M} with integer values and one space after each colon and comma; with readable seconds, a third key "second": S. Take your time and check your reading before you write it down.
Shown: {"hour": 3, "minute": 11}
